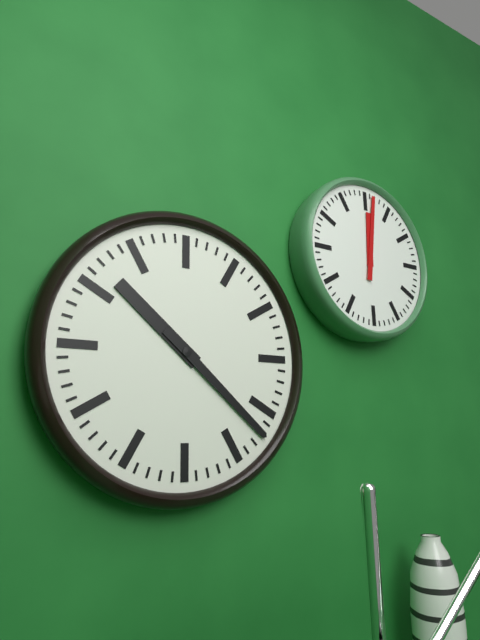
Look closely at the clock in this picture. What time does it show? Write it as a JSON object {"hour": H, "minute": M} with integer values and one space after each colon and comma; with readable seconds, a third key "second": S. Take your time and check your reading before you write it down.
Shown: {"hour": 10, "minute": 22}
